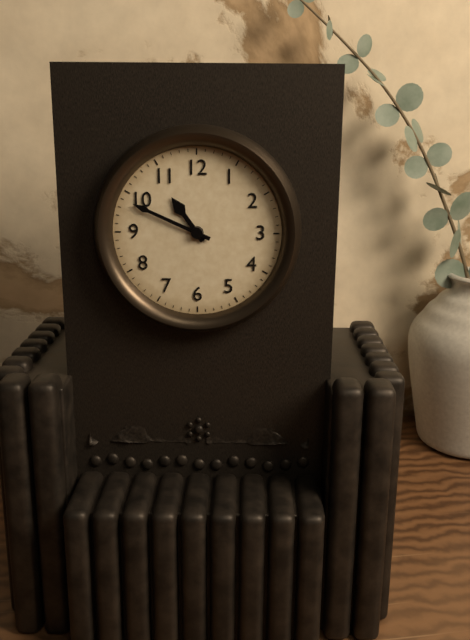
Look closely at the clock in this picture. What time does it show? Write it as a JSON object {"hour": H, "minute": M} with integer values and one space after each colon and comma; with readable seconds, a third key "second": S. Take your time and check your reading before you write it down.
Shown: {"hour": 10, "minute": 49}
